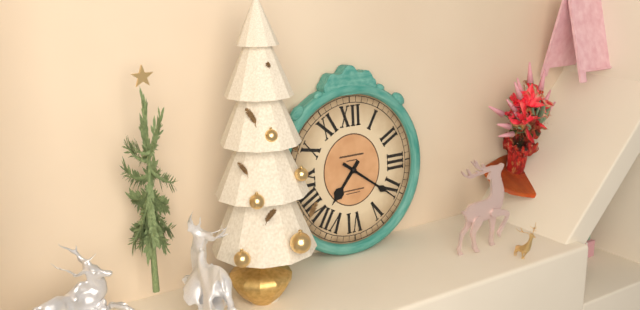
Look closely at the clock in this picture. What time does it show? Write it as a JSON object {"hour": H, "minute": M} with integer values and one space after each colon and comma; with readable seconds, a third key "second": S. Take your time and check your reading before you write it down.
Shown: {"hour": 7, "minute": 21}
